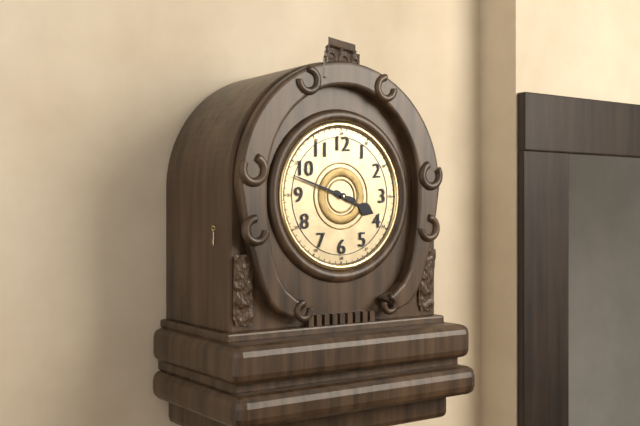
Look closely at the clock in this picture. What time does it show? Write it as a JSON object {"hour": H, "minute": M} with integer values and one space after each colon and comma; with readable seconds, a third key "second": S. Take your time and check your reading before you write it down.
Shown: {"hour": 3, "minute": 48}
